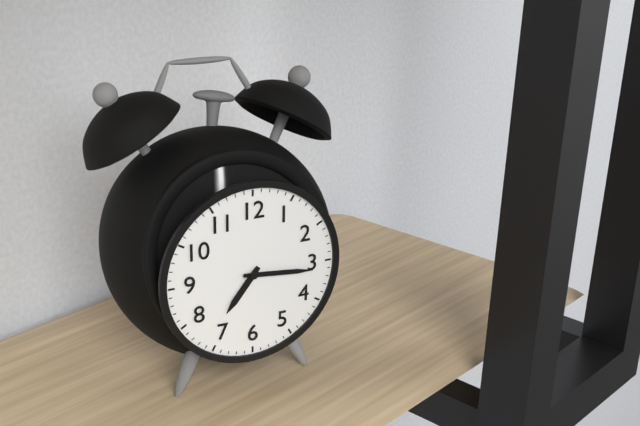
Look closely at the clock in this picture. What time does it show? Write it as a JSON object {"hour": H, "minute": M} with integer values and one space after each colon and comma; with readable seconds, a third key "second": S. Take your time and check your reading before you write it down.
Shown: {"hour": 7, "minute": 16}
